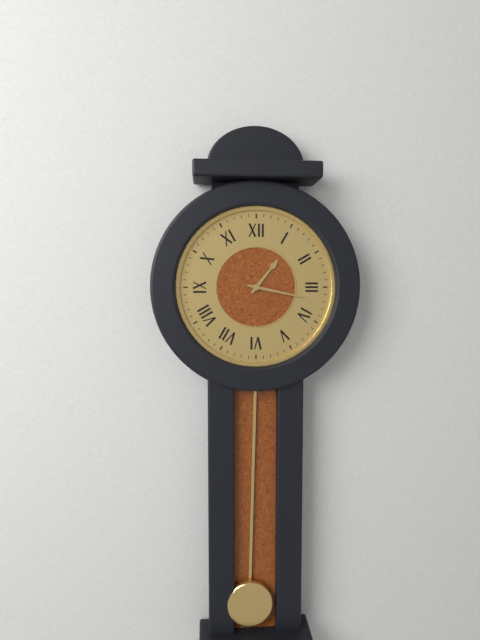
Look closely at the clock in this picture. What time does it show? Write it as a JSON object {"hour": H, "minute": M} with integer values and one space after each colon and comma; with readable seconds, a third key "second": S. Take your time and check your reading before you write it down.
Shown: {"hour": 1, "minute": 17}
